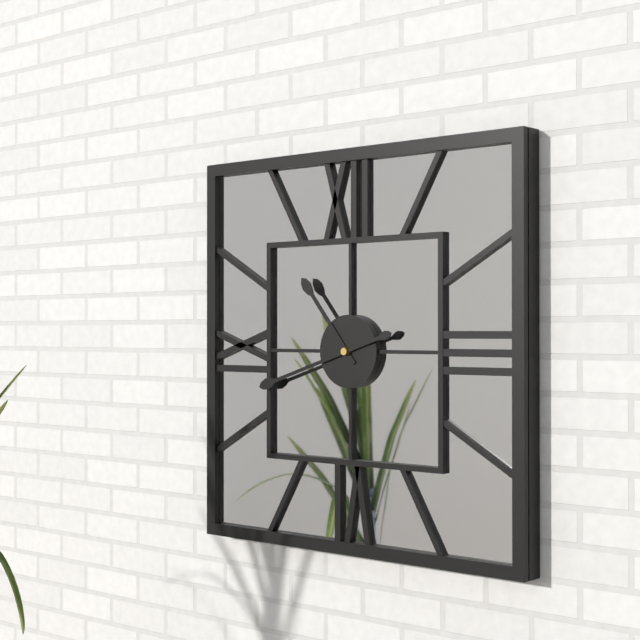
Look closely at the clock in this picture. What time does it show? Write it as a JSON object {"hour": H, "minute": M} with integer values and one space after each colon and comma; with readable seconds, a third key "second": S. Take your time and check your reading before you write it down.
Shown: {"hour": 10, "minute": 42}
